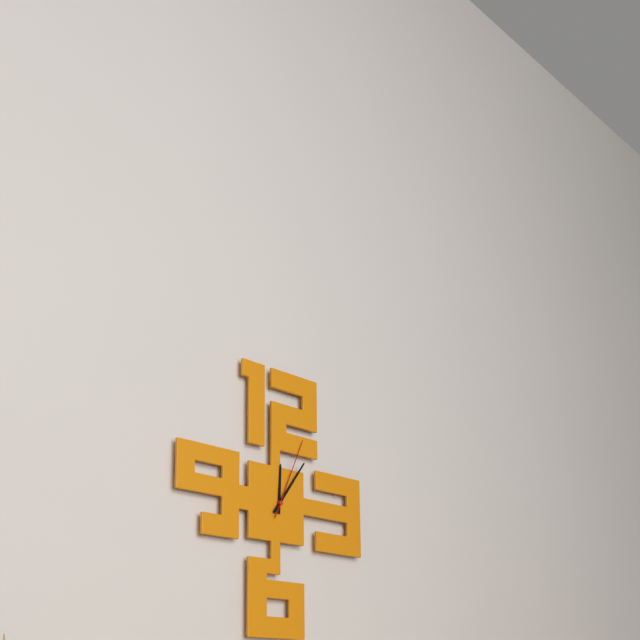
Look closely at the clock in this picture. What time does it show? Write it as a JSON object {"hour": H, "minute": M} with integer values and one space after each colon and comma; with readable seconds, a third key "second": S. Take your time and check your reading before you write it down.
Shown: {"hour": 12, "minute": 6, "second": 4}
